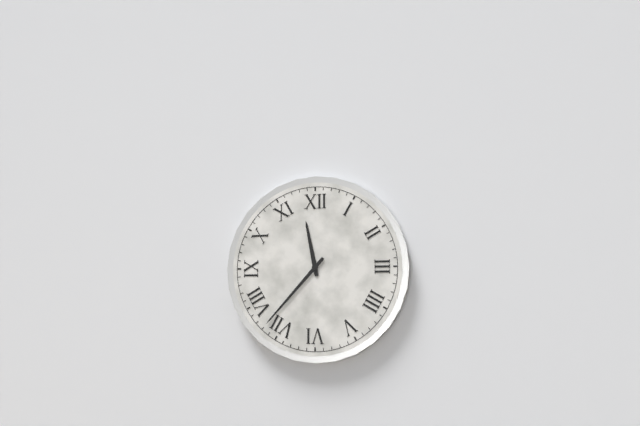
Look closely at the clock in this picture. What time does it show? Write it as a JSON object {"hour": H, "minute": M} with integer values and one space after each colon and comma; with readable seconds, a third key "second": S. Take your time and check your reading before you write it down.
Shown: {"hour": 11, "minute": 37}
